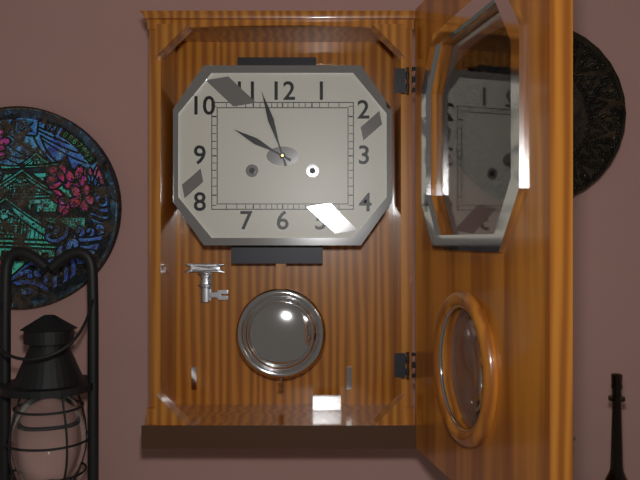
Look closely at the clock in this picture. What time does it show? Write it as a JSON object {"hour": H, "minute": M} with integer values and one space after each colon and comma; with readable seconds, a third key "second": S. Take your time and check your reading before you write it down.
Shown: {"hour": 9, "minute": 57}
